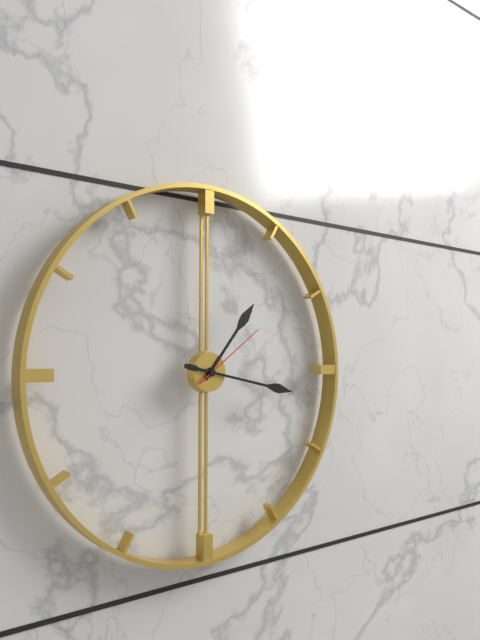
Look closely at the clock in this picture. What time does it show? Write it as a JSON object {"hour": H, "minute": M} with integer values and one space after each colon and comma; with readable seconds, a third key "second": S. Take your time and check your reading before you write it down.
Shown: {"hour": 1, "minute": 17, "second": 9}
